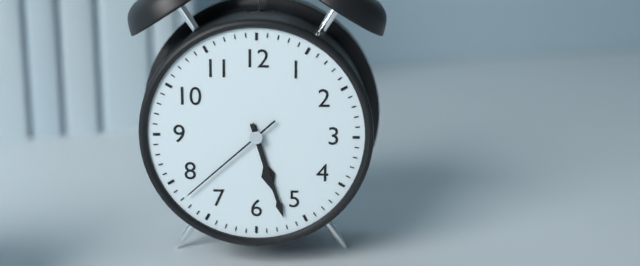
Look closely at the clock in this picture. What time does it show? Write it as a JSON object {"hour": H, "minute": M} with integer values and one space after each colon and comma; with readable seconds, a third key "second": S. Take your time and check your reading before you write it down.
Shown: {"hour": 5, "minute": 27, "second": 38}
